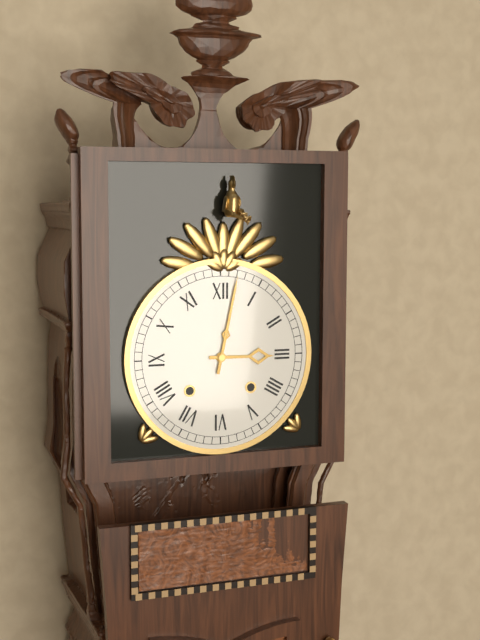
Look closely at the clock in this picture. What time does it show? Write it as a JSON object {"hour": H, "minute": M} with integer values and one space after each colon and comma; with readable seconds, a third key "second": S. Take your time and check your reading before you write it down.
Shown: {"hour": 3, "minute": 2}
